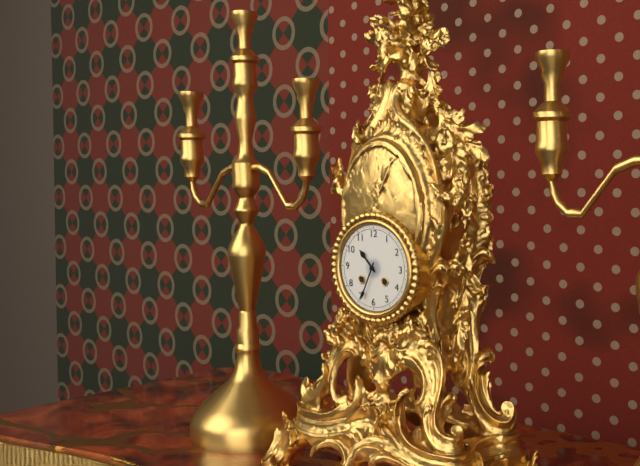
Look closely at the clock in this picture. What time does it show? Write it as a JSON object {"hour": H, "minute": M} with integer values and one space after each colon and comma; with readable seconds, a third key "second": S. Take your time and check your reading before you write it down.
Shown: {"hour": 10, "minute": 34}
